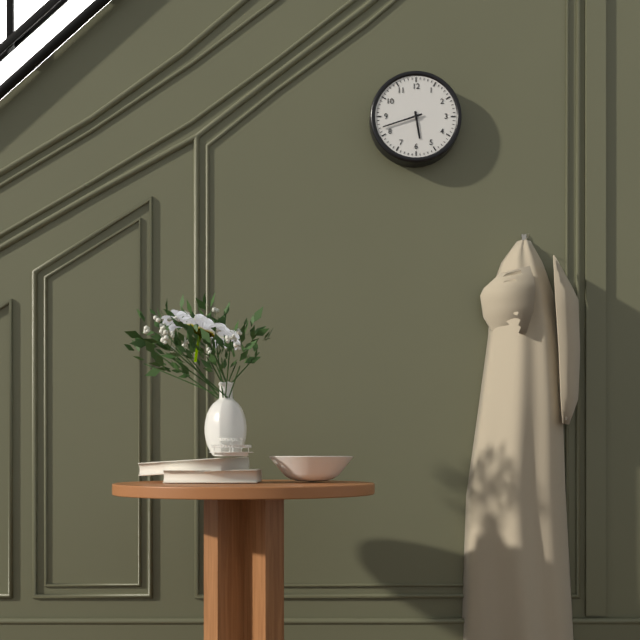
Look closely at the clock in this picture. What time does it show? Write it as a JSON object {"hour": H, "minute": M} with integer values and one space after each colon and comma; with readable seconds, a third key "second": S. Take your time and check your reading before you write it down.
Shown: {"hour": 5, "minute": 42}
